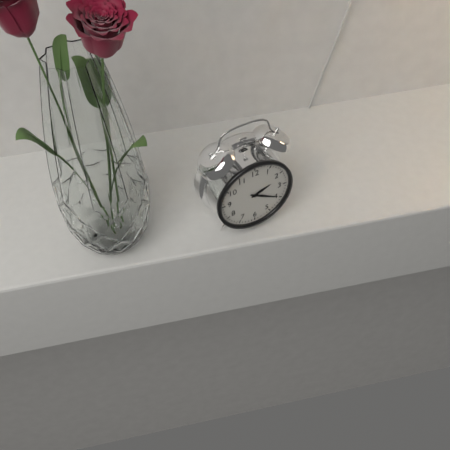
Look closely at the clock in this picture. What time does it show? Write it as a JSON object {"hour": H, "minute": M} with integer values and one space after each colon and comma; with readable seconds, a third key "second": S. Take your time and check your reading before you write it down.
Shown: {"hour": 2, "minute": 20}
